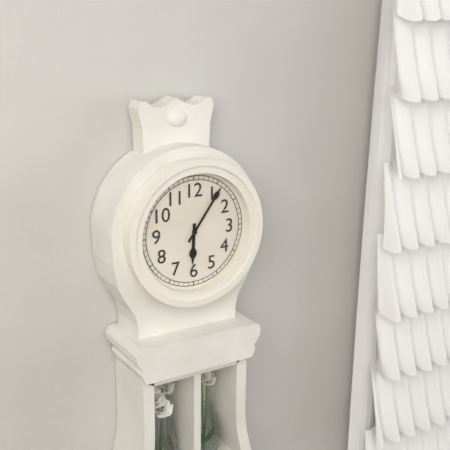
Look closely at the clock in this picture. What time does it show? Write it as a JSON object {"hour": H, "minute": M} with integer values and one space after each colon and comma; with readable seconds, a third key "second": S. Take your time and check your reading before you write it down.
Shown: {"hour": 6, "minute": 6}
